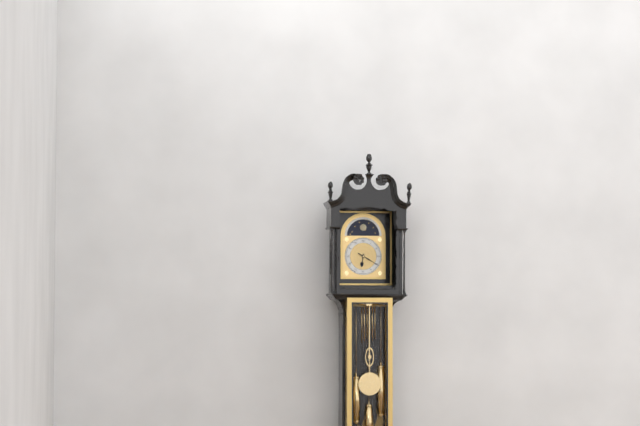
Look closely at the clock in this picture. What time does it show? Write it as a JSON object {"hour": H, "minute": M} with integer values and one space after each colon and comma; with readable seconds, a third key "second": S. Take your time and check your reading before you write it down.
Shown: {"hour": 6, "minute": 20}
